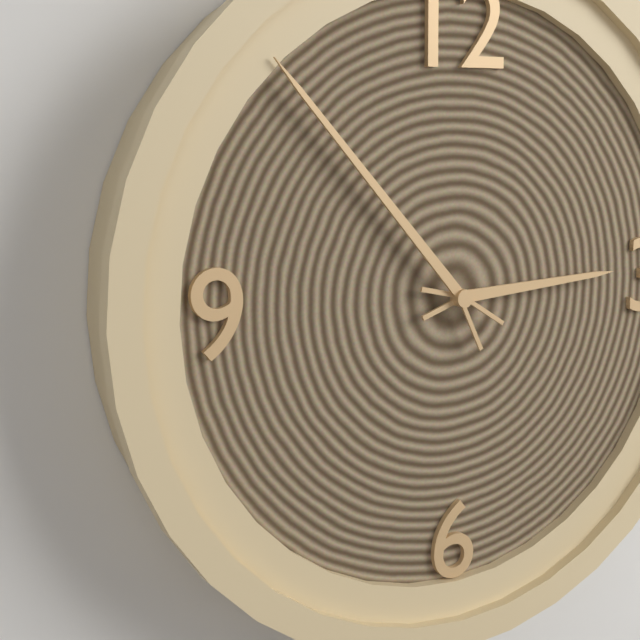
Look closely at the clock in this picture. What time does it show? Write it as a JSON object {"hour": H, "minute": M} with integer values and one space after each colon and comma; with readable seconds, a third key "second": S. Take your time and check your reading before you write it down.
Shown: {"hour": 2, "minute": 53}
